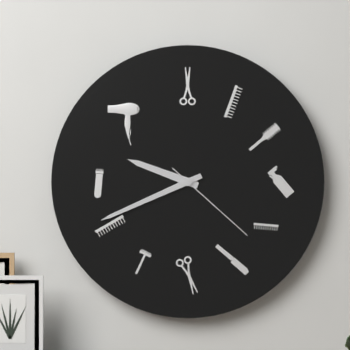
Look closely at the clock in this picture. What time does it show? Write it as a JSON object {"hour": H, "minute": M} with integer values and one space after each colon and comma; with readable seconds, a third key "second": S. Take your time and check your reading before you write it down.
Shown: {"hour": 9, "minute": 41, "second": 22}
